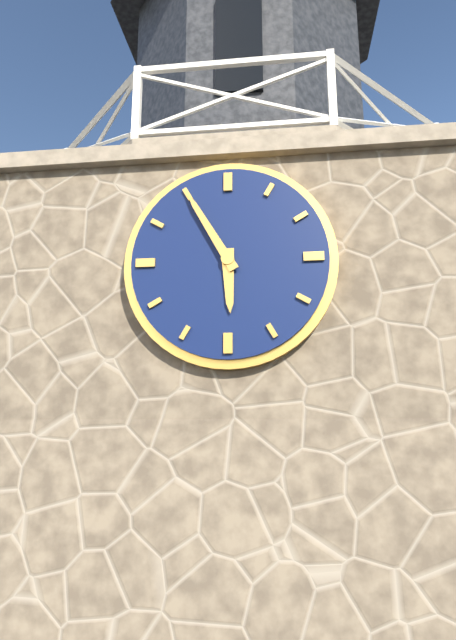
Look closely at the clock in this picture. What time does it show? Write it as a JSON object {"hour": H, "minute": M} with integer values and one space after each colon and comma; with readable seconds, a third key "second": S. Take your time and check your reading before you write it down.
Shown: {"hour": 5, "minute": 55}
